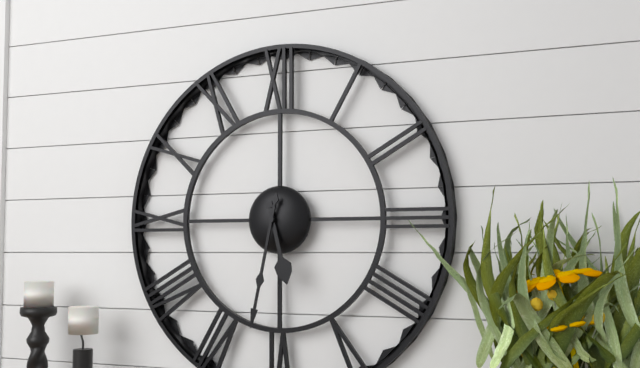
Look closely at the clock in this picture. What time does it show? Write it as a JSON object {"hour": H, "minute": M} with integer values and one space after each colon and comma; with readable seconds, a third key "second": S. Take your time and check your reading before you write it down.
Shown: {"hour": 5, "minute": 32}
